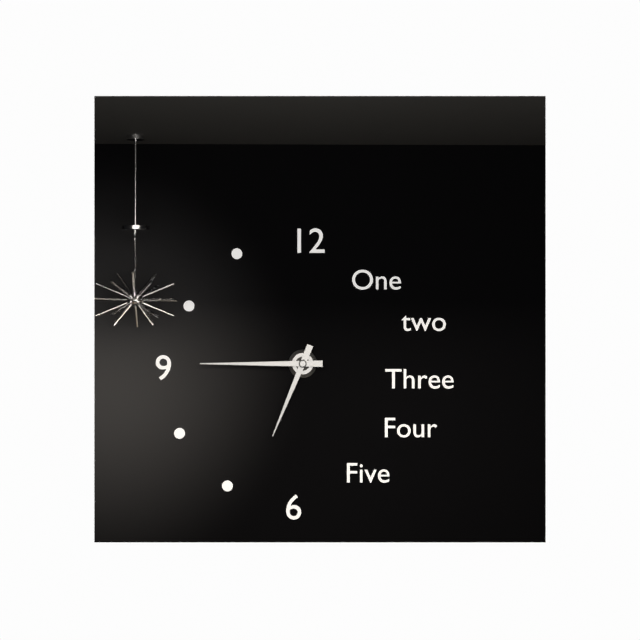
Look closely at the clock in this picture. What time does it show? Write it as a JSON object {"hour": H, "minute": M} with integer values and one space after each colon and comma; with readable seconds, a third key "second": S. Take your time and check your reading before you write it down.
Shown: {"hour": 6, "minute": 45}
